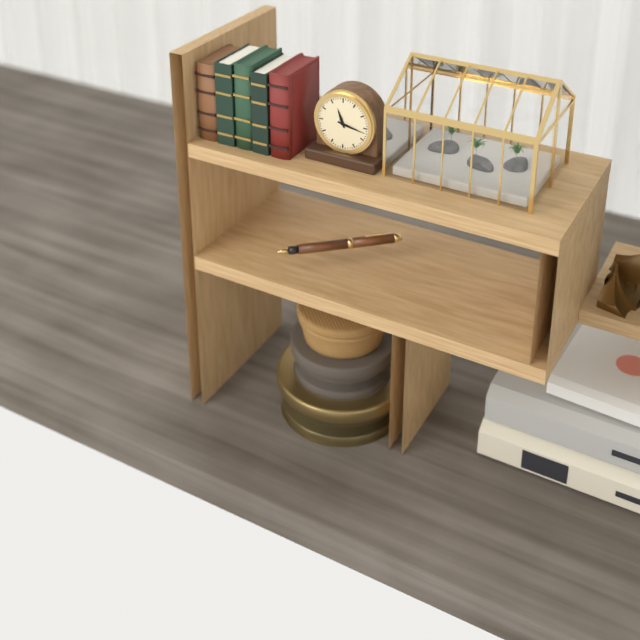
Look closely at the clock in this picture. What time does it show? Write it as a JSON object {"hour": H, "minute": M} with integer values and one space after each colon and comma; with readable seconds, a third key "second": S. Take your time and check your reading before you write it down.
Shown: {"hour": 11, "minute": 17}
